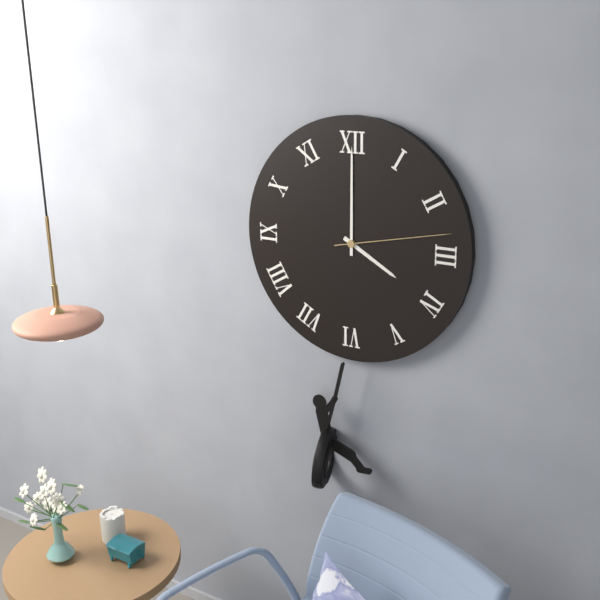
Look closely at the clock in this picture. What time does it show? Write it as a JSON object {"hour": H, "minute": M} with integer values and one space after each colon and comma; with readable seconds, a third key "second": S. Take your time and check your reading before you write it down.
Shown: {"hour": 4, "minute": 0, "second": 13}
